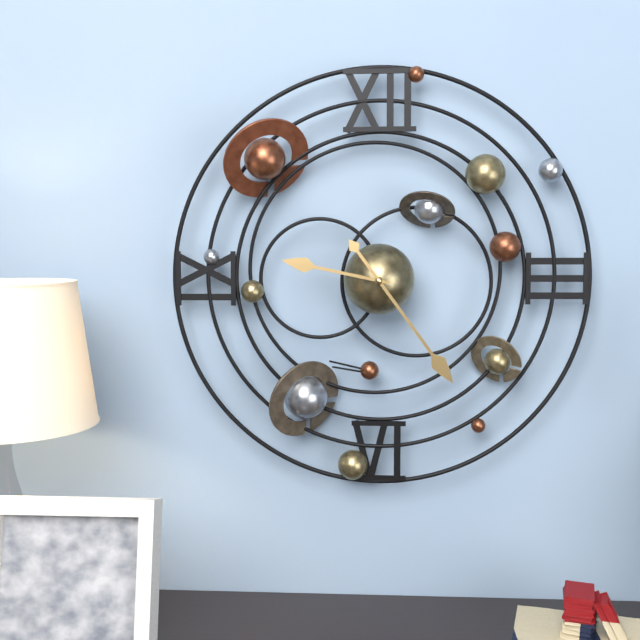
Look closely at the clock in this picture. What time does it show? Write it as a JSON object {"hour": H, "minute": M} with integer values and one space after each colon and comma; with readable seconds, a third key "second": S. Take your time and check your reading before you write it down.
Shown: {"hour": 9, "minute": 24}
